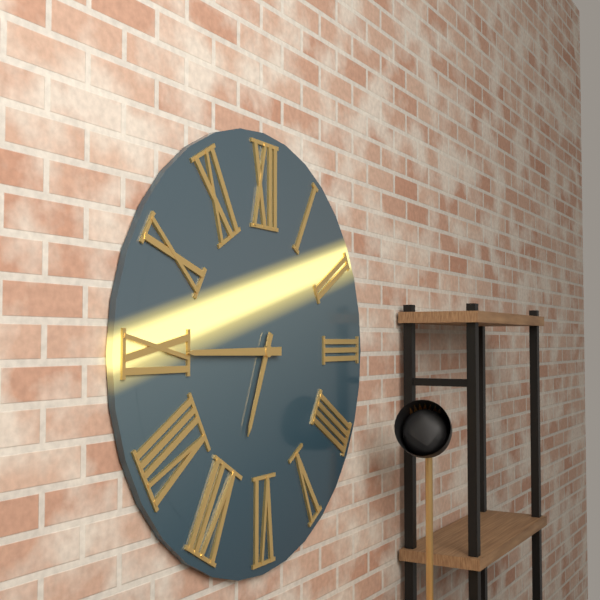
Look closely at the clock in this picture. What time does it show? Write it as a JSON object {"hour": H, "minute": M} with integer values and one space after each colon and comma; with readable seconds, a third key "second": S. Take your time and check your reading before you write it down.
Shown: {"hour": 6, "minute": 45}
